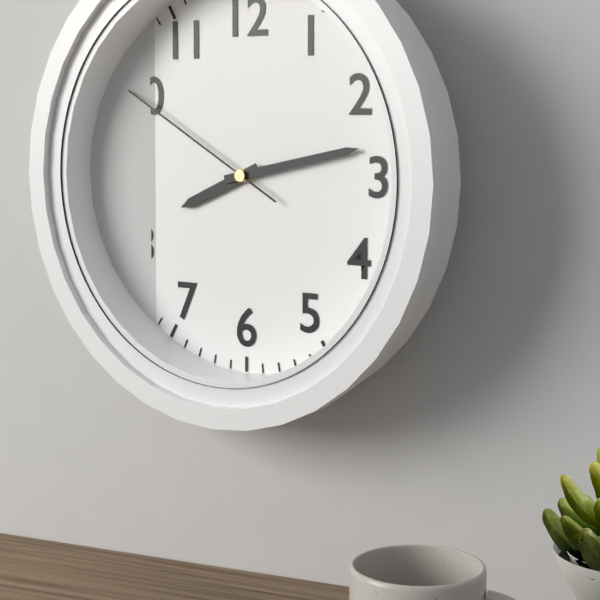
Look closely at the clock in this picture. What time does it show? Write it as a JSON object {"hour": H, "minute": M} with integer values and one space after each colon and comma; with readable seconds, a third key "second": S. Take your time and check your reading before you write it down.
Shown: {"hour": 8, "minute": 13, "second": 50}
